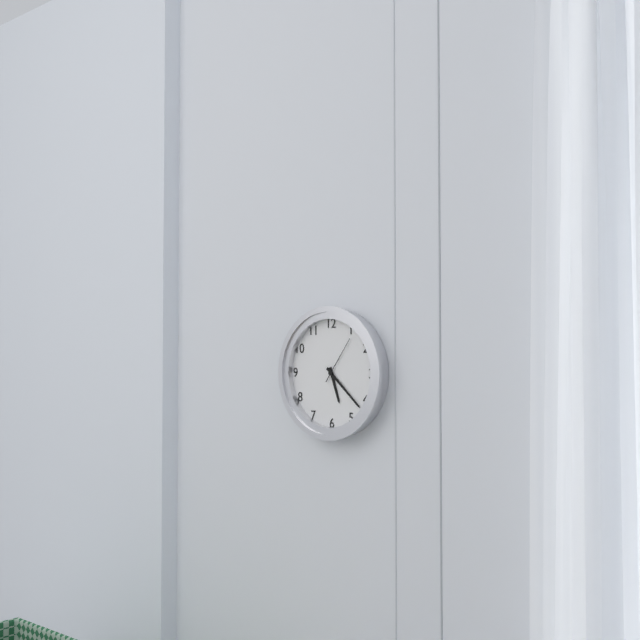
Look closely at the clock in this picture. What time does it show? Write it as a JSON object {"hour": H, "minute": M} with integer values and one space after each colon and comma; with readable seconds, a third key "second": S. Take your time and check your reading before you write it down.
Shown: {"hour": 5, "minute": 22}
